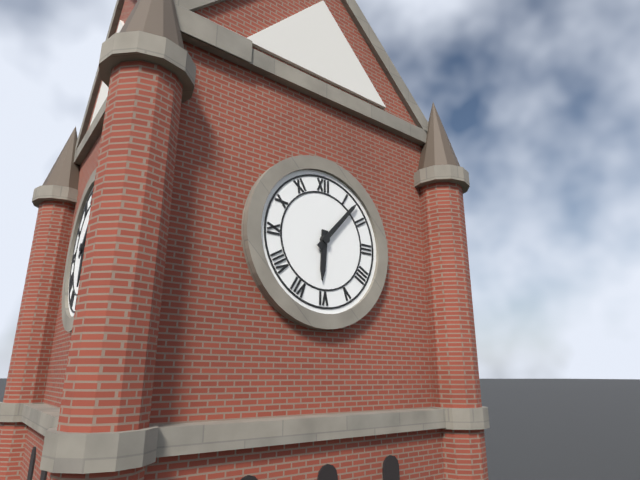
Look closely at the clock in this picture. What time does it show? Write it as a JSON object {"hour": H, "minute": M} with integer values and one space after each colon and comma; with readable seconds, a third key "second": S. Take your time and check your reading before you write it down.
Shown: {"hour": 6, "minute": 7}
